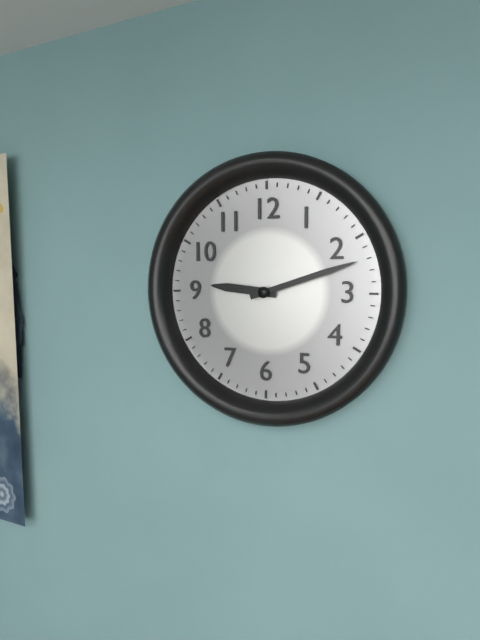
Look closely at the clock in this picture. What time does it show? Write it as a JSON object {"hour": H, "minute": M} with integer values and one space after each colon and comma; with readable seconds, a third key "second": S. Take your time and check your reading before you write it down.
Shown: {"hour": 9, "minute": 12}
